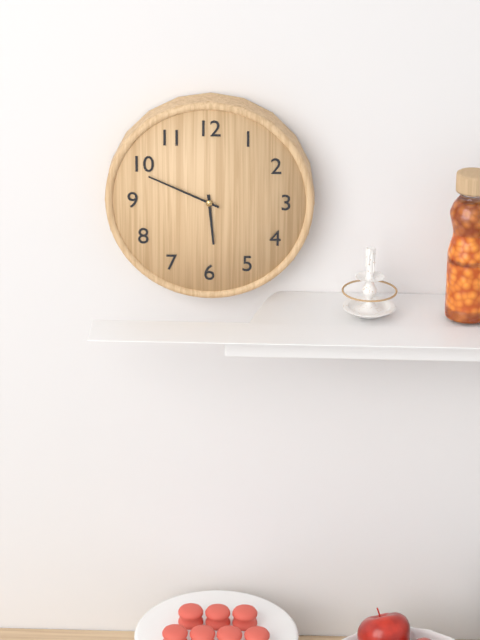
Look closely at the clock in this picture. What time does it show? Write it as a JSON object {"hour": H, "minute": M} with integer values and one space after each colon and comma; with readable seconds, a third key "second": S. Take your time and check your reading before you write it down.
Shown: {"hour": 5, "minute": 49}
